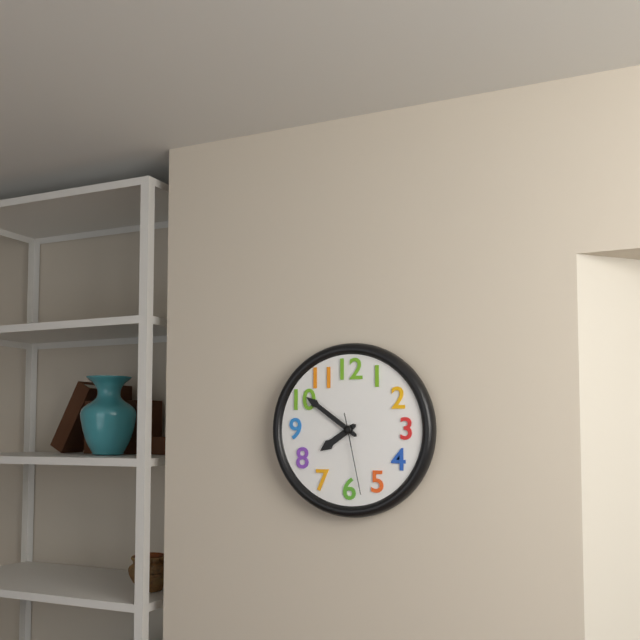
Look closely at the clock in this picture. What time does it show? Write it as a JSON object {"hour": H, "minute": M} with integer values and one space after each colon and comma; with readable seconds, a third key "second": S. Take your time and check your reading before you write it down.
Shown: {"hour": 7, "minute": 51, "second": 28}
